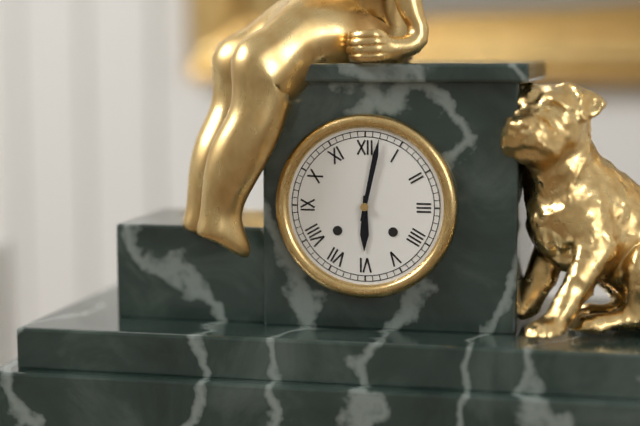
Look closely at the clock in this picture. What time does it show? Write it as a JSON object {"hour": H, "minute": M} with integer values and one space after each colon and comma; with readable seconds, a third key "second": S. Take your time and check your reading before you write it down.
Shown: {"hour": 6, "minute": 2}
